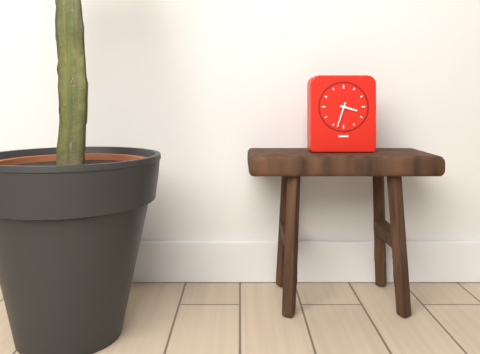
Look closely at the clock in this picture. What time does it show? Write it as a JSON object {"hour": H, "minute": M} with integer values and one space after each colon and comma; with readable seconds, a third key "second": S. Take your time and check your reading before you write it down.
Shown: {"hour": 3, "minute": 33}
